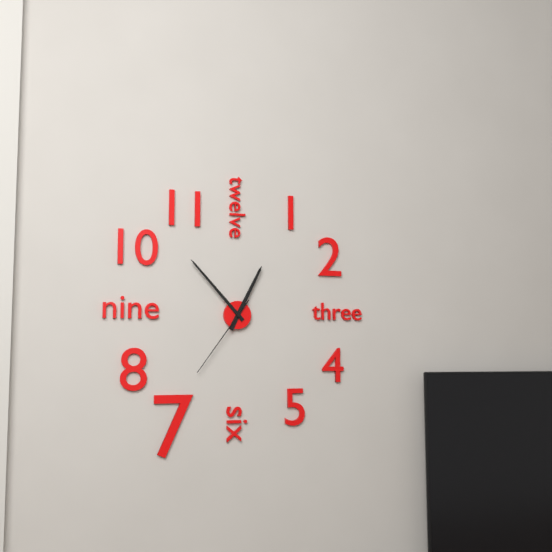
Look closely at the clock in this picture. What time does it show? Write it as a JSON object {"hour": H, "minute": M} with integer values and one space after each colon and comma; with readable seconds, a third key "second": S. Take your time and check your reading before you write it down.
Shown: {"hour": 12, "minute": 53, "second": 36}
